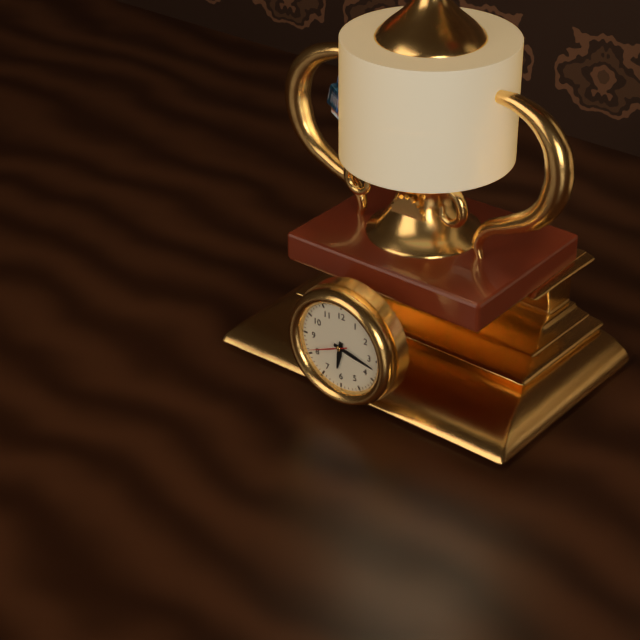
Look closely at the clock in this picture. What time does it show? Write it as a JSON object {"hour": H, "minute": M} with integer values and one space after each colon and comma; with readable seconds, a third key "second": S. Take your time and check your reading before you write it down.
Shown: {"hour": 6, "minute": 17}
